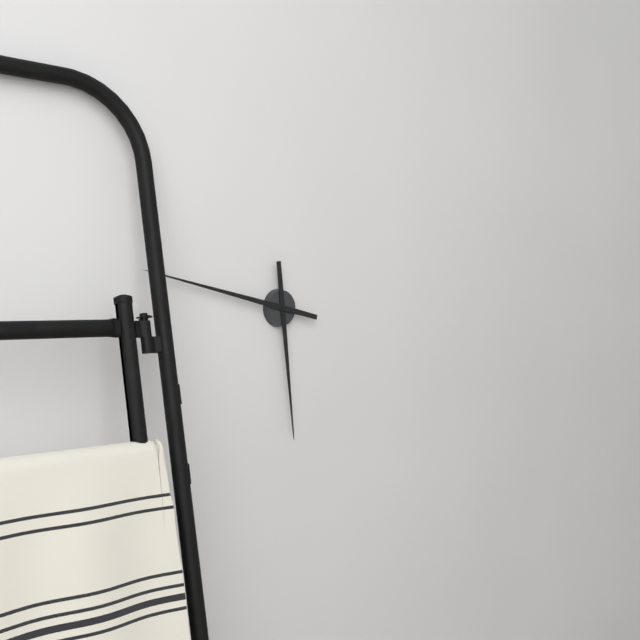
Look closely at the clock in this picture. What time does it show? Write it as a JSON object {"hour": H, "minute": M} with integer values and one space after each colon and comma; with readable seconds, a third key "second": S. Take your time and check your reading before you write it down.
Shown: {"hour": 5, "minute": 47}
